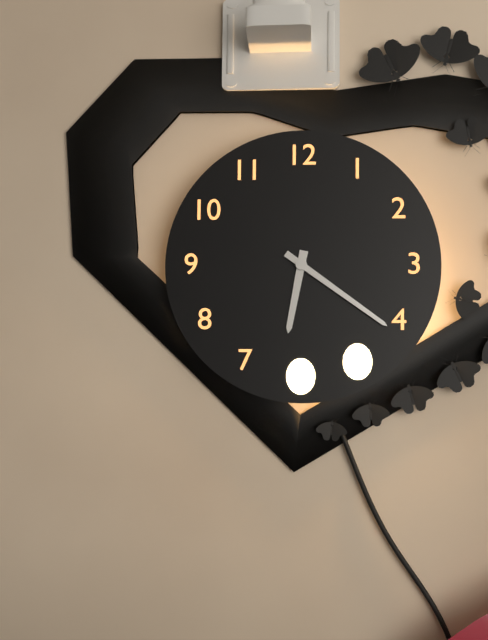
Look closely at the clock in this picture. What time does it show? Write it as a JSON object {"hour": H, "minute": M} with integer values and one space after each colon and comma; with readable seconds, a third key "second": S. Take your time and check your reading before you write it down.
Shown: {"hour": 6, "minute": 21}
